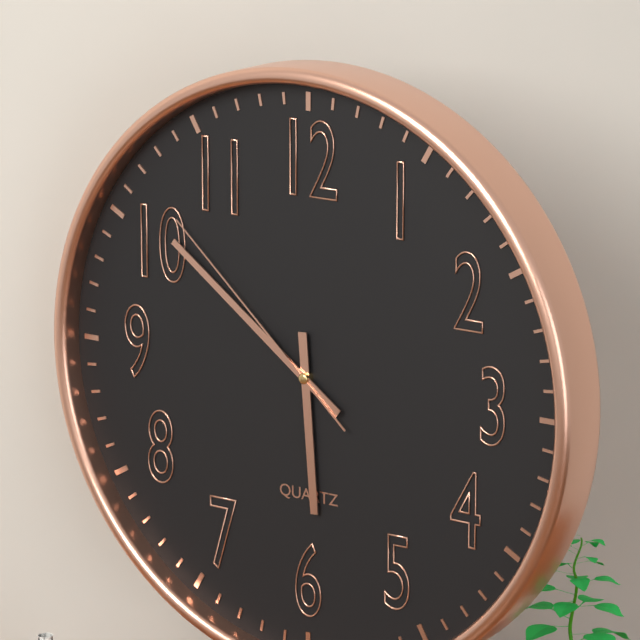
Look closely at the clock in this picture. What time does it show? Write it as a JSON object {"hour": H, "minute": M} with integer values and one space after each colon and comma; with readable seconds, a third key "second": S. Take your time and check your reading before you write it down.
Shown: {"hour": 5, "minute": 51, "second": 52}
